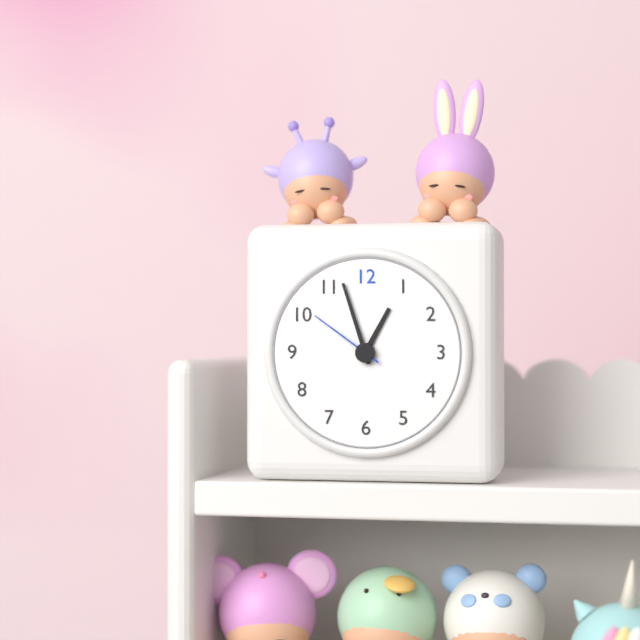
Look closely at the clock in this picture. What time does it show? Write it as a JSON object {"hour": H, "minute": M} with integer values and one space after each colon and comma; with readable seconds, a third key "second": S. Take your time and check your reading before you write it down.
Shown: {"hour": 12, "minute": 57, "second": 51}
